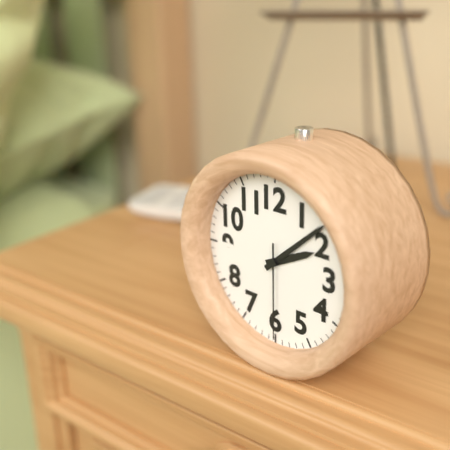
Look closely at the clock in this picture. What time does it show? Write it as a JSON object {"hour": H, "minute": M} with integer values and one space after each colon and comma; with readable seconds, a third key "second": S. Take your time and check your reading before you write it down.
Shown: {"hour": 2, "minute": 8, "second": 30}
